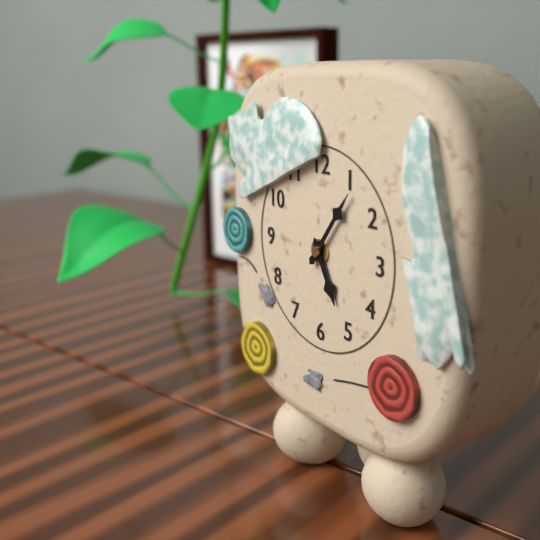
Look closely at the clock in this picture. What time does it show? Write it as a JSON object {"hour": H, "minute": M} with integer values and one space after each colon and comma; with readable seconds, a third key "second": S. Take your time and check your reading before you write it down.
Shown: {"hour": 5, "minute": 6}
